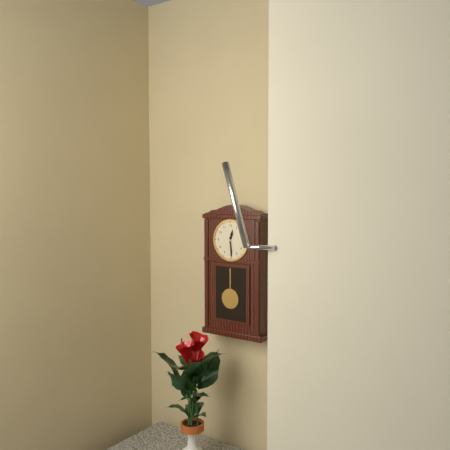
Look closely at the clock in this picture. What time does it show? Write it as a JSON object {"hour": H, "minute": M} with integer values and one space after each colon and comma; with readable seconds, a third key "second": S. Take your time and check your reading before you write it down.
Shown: {"hour": 12, "minute": 29}
